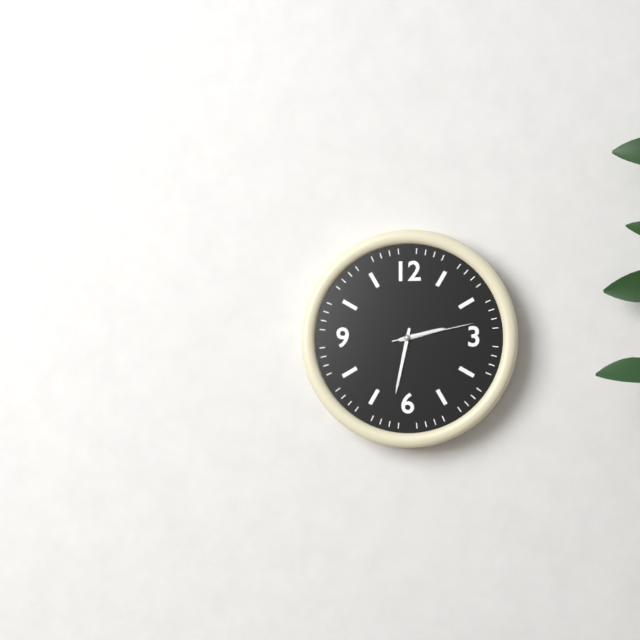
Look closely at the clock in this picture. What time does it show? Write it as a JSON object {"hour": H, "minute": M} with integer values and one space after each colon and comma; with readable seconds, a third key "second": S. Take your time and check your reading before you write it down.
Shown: {"hour": 2, "minute": 32, "second": 13}
